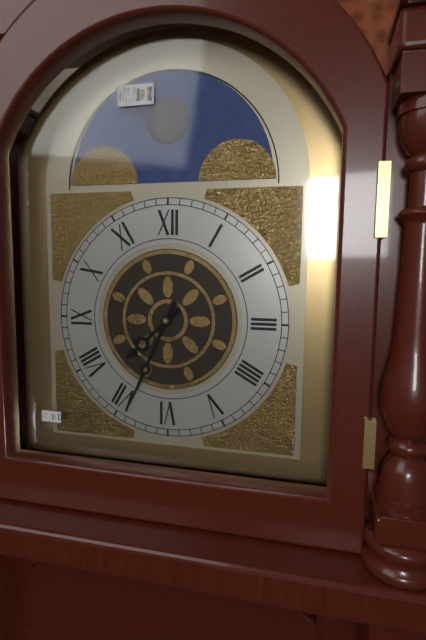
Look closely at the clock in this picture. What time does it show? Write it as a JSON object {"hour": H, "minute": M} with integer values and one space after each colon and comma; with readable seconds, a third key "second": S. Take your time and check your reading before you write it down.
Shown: {"hour": 7, "minute": 34}
